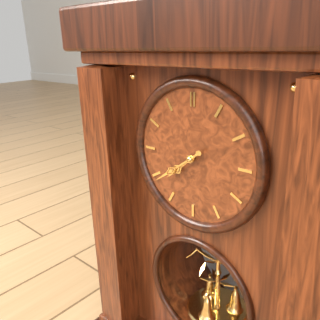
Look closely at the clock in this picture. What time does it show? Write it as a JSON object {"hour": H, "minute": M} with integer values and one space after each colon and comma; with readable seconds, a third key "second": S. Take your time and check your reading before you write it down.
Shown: {"hour": 7, "minute": 39}
